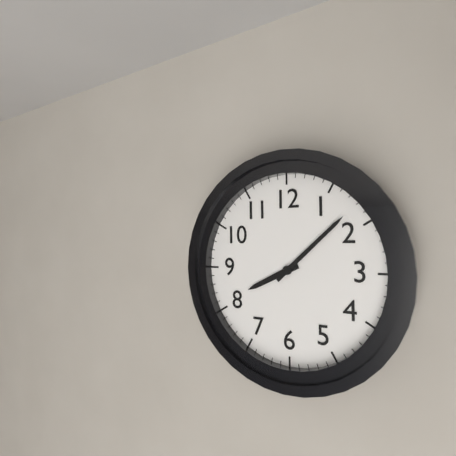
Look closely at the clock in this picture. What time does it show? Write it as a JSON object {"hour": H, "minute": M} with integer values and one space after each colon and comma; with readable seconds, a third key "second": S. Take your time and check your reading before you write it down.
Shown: {"hour": 8, "minute": 8}
